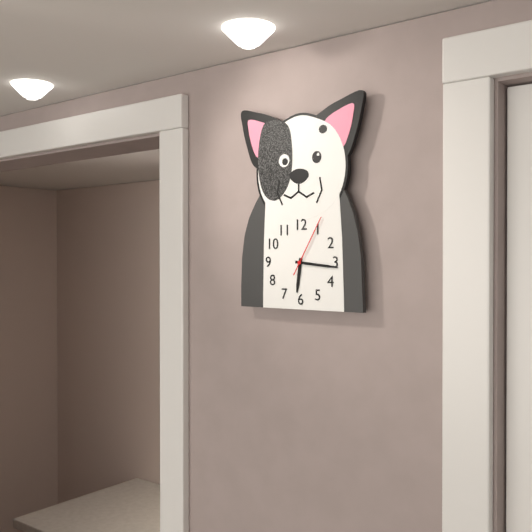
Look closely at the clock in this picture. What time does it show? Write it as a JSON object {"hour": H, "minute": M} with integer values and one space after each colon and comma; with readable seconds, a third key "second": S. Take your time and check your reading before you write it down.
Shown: {"hour": 6, "minute": 16, "second": 5}
